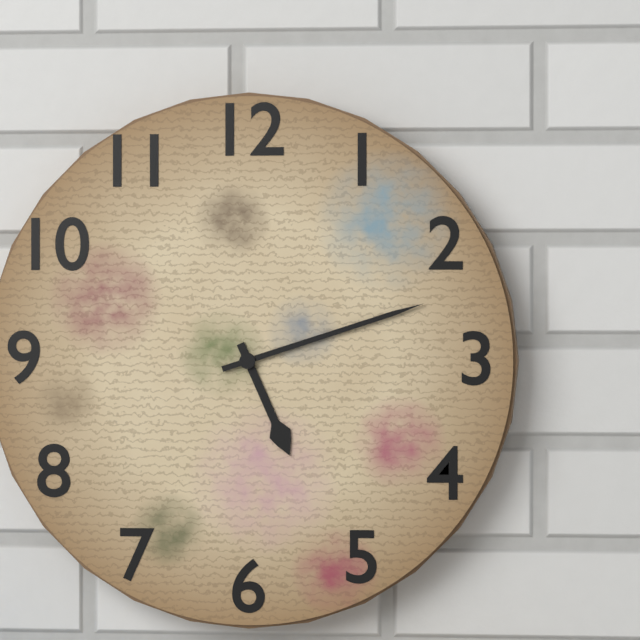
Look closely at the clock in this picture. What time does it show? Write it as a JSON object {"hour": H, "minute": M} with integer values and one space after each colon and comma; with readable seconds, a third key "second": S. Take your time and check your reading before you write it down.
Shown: {"hour": 5, "minute": 12}
